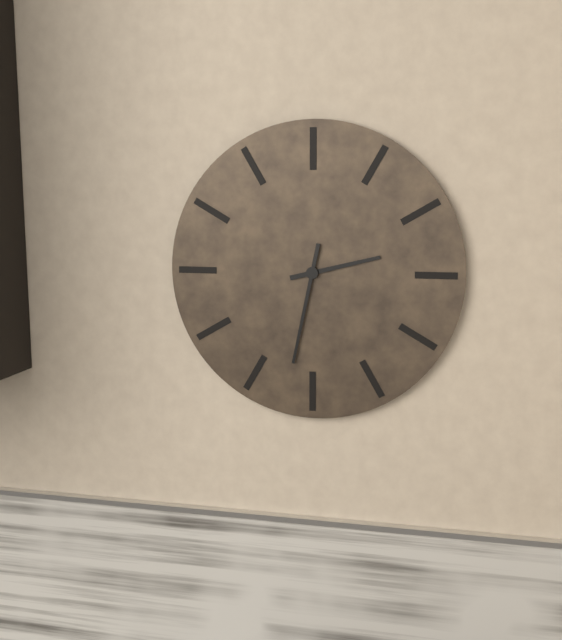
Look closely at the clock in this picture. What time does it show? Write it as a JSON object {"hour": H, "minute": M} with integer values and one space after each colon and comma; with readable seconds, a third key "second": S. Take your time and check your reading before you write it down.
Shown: {"hour": 2, "minute": 32}
